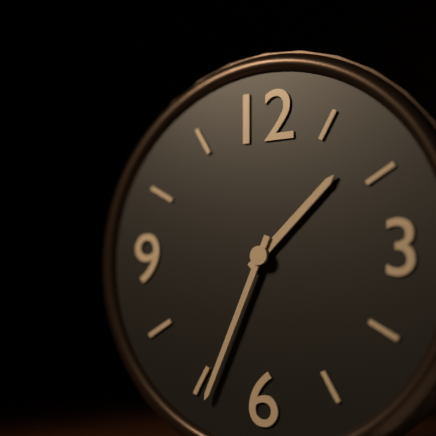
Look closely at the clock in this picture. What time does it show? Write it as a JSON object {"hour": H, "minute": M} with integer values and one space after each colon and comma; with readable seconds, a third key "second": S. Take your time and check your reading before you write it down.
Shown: {"hour": 1, "minute": 34}
